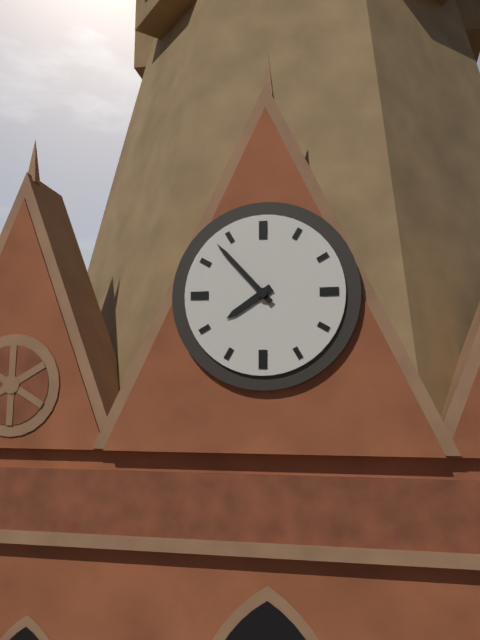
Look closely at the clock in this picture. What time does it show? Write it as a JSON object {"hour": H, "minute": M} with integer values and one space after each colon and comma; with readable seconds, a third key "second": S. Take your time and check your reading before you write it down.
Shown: {"hour": 7, "minute": 53}
